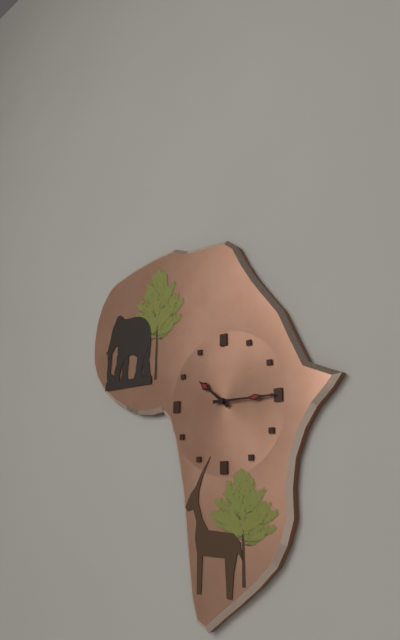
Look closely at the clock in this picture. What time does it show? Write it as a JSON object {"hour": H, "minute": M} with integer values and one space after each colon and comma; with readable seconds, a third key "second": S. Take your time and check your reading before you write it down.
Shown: {"hour": 10, "minute": 15}
